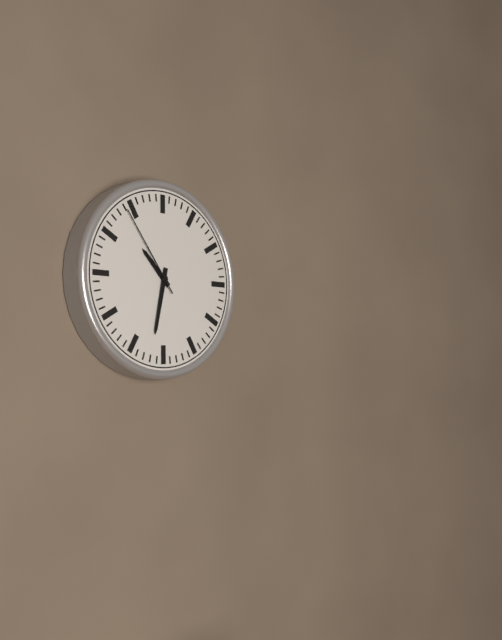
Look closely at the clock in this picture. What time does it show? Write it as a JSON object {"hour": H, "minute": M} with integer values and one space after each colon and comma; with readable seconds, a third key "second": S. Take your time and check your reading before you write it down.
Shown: {"hour": 10, "minute": 32, "second": 54}
